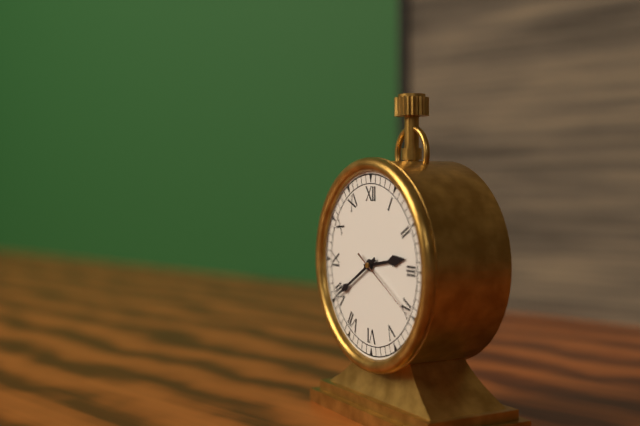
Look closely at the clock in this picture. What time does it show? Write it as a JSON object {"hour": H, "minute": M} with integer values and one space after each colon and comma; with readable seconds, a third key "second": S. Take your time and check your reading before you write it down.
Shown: {"hour": 2, "minute": 40, "second": 20}
